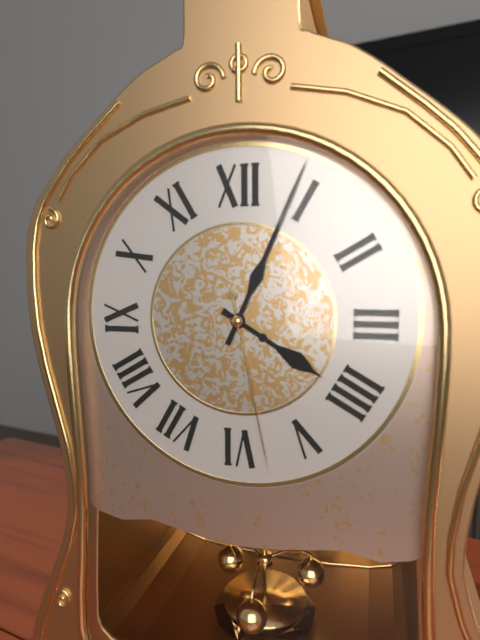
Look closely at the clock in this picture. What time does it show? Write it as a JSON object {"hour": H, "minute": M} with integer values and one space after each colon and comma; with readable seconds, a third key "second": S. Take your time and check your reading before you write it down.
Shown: {"hour": 4, "minute": 4, "second": 28}
